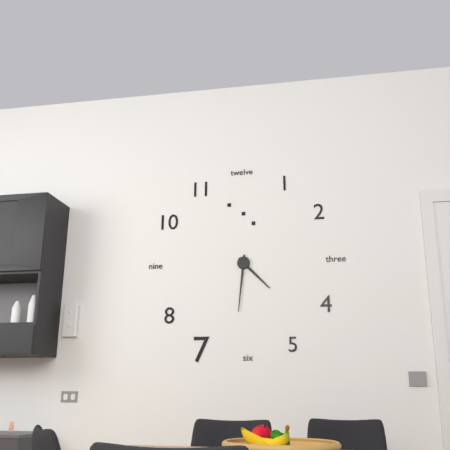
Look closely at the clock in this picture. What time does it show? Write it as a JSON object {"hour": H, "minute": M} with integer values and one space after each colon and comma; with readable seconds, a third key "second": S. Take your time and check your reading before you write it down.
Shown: {"hour": 4, "minute": 31}
